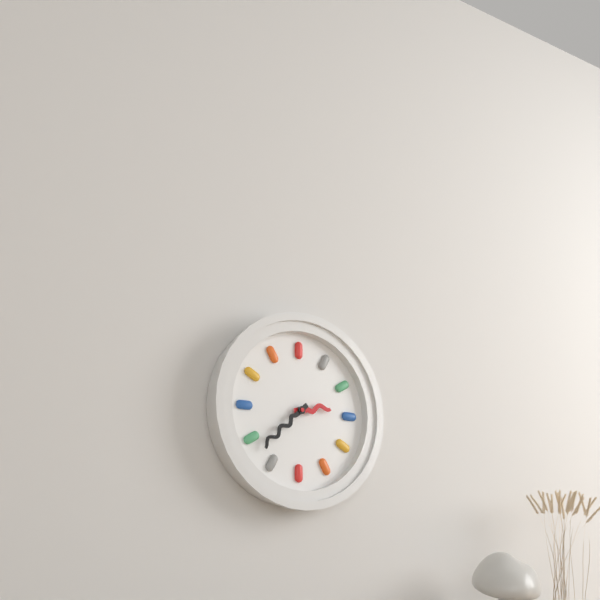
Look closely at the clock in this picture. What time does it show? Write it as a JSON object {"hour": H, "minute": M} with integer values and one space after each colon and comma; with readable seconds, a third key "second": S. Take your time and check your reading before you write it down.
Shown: {"hour": 2, "minute": 38}
